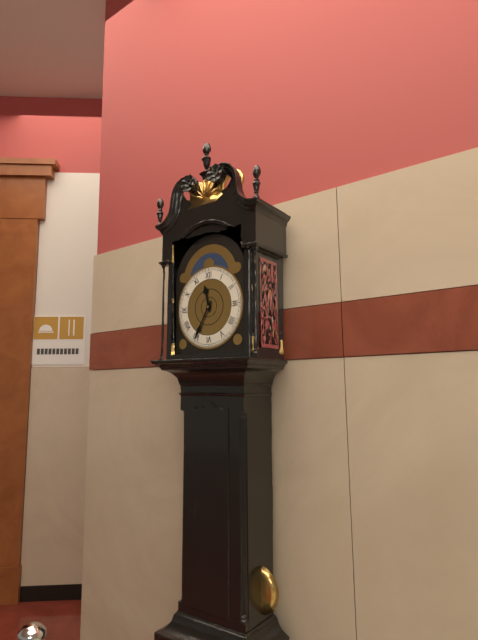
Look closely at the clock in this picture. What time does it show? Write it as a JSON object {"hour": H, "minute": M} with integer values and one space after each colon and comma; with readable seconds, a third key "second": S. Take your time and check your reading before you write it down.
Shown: {"hour": 11, "minute": 35}
